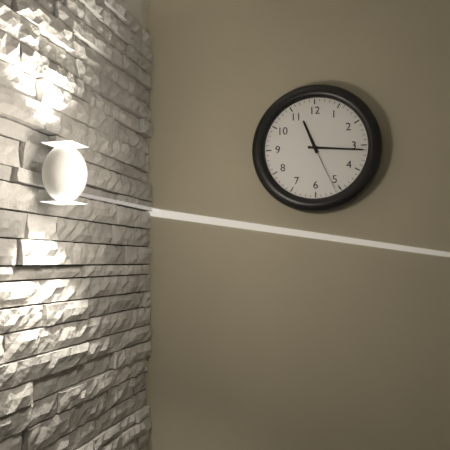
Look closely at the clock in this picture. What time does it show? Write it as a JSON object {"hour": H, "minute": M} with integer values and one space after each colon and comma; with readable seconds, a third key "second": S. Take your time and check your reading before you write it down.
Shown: {"hour": 11, "minute": 16, "second": 26}
